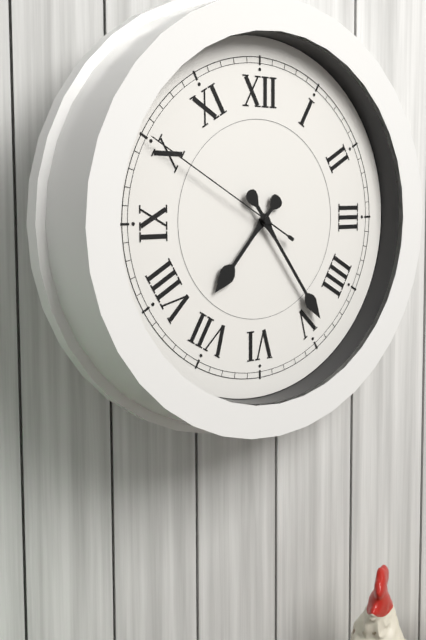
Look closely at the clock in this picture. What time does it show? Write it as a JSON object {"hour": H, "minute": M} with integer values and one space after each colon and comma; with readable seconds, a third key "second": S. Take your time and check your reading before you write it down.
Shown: {"hour": 7, "minute": 24, "second": 50}
